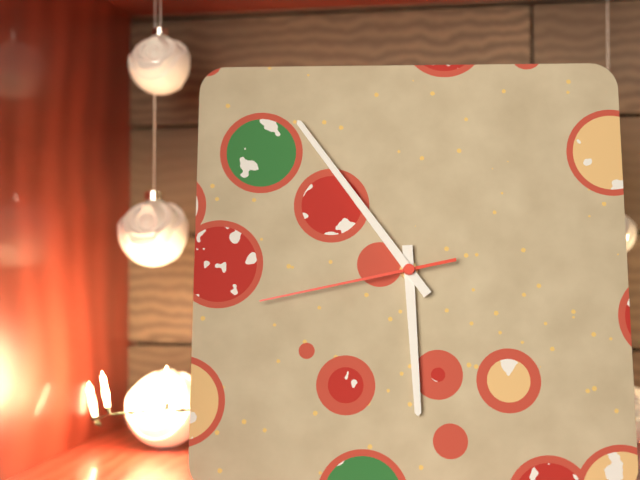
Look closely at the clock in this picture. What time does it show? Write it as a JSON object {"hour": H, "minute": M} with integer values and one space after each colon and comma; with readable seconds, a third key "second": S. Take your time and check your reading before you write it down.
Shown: {"hour": 5, "minute": 54, "second": 43}
